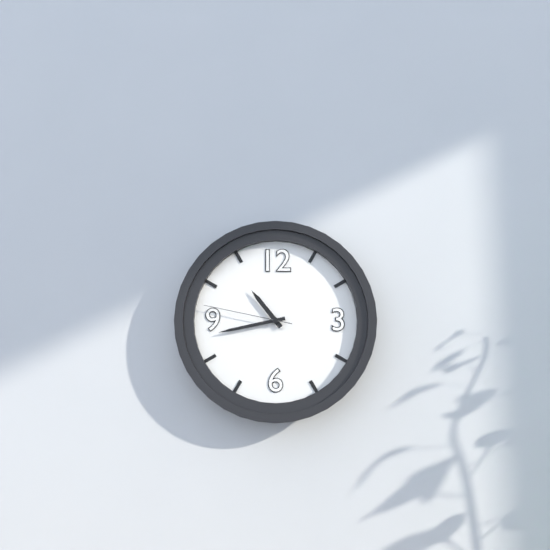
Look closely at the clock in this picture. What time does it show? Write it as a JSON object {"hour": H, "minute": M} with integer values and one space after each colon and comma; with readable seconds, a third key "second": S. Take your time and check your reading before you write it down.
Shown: {"hour": 10, "minute": 43, "second": 47}
